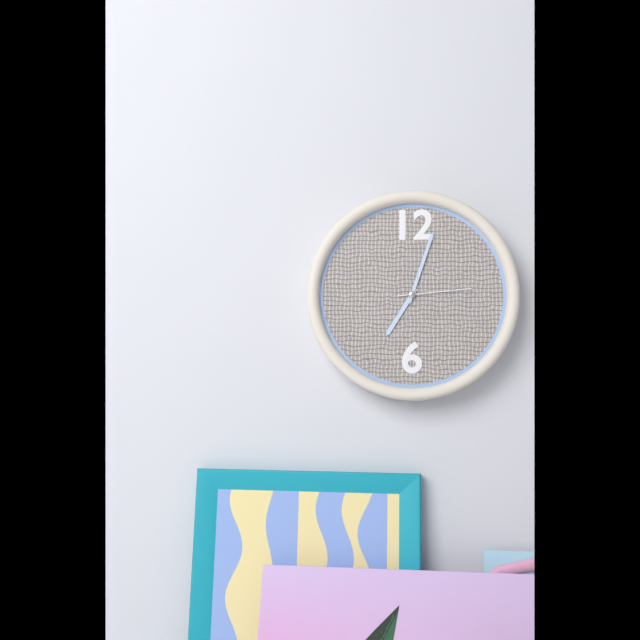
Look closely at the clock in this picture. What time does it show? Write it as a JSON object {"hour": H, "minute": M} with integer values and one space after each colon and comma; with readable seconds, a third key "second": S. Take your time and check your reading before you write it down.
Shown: {"hour": 7, "minute": 3, "second": 14}
